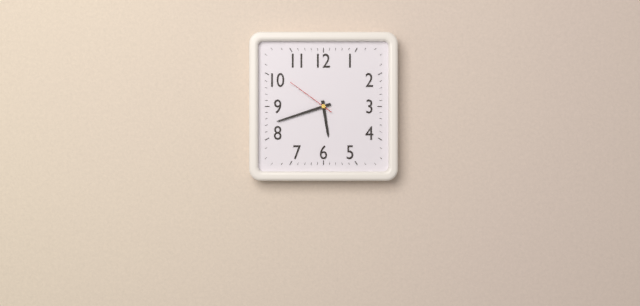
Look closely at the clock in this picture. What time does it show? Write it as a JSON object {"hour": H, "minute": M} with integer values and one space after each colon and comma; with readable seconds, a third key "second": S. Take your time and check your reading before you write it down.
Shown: {"hour": 5, "minute": 42, "second": 51}
